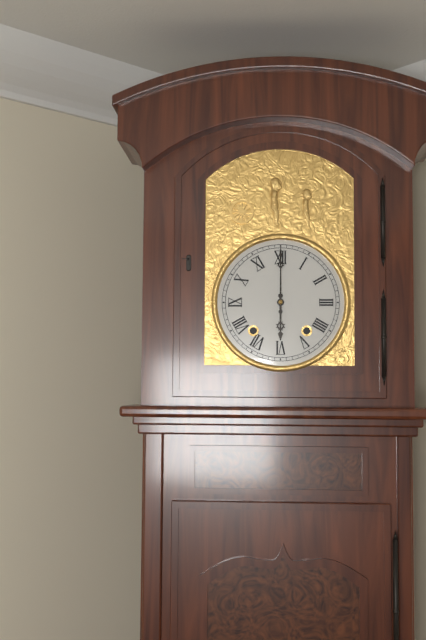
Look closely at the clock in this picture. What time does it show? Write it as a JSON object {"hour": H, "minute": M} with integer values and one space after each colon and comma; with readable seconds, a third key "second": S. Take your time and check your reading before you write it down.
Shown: {"hour": 6, "minute": 0}
